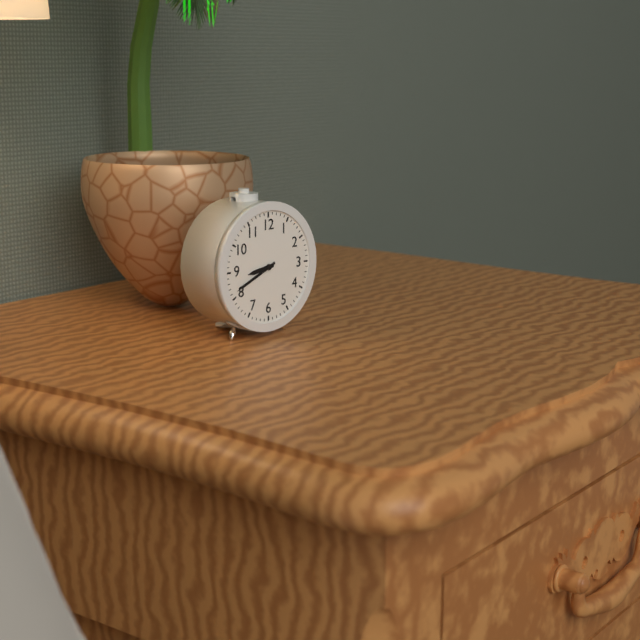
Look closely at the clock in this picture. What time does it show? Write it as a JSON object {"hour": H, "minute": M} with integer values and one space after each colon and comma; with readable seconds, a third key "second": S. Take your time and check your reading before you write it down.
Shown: {"hour": 8, "minute": 41}
